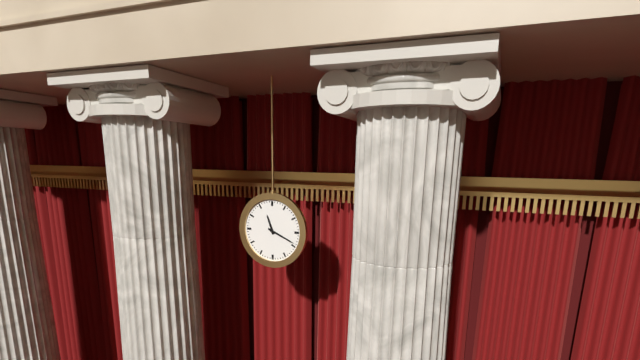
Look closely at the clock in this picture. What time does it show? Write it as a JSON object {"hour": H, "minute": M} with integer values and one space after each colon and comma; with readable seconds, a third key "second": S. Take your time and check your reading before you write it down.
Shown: {"hour": 11, "minute": 19}
